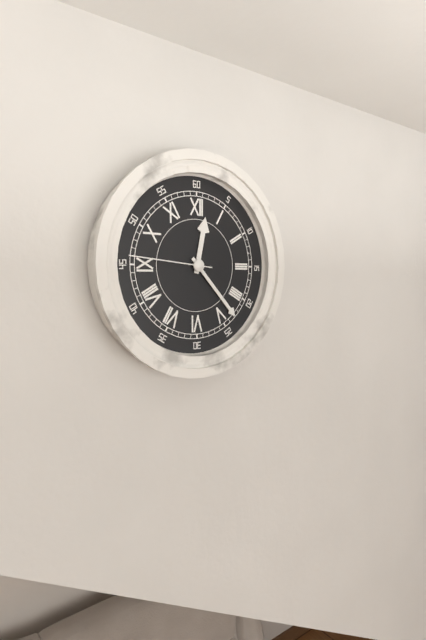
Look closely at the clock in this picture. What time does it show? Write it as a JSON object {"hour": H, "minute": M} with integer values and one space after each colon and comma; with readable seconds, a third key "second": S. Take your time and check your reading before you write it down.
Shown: {"hour": 12, "minute": 23, "second": 46}
